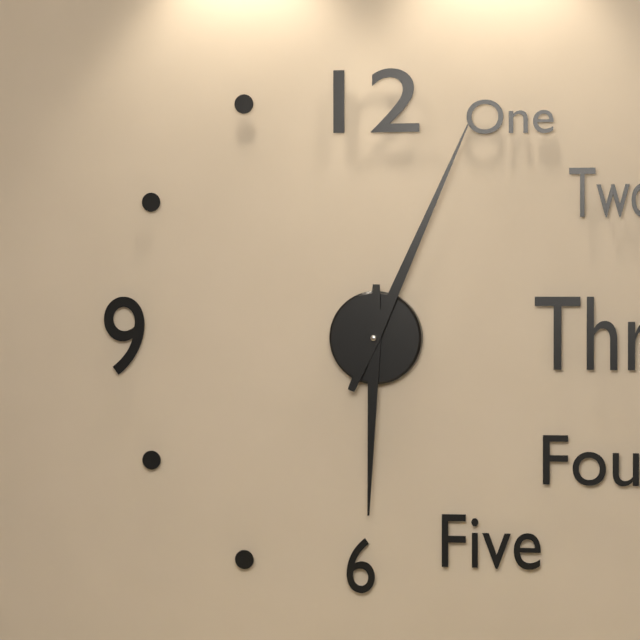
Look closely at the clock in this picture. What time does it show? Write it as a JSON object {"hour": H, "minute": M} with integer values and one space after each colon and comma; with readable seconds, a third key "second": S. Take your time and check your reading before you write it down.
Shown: {"hour": 6, "minute": 4}
